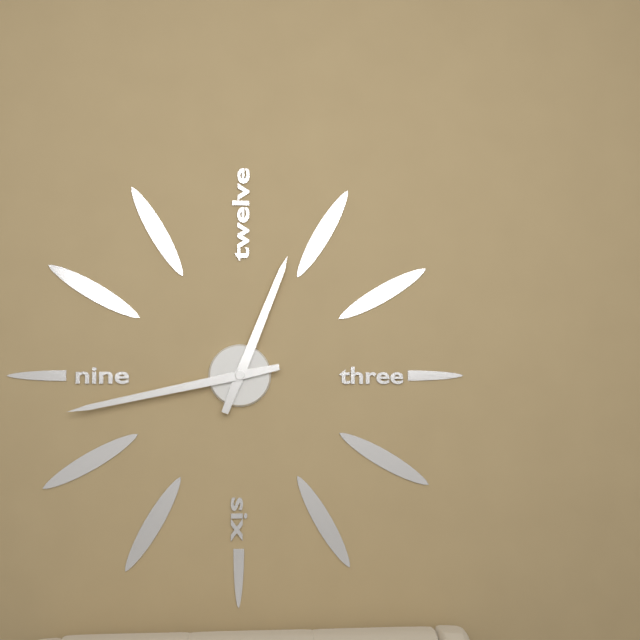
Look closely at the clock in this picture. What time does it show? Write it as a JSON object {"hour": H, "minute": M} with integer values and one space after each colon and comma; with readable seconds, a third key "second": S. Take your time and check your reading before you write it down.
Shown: {"hour": 12, "minute": 43}
